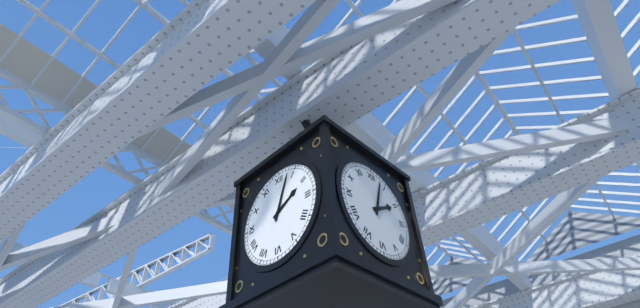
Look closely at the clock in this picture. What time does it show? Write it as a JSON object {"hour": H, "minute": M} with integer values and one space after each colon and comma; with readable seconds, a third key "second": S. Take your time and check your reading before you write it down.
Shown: {"hour": 2, "minute": 3}
